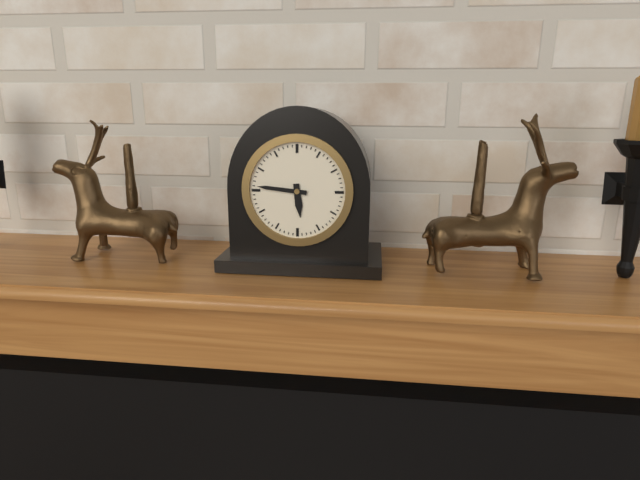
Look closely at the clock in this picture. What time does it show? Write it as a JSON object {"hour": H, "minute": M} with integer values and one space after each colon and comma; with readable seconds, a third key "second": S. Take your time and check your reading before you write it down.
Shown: {"hour": 5, "minute": 46}
